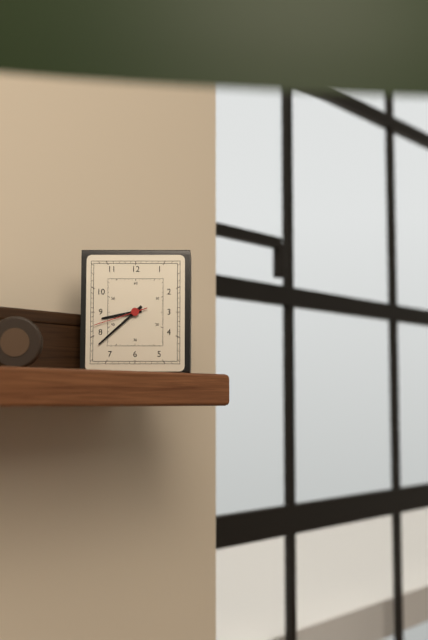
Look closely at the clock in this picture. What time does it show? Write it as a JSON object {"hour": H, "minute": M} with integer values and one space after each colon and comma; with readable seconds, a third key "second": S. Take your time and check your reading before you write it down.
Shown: {"hour": 8, "minute": 38, "second": 42}
